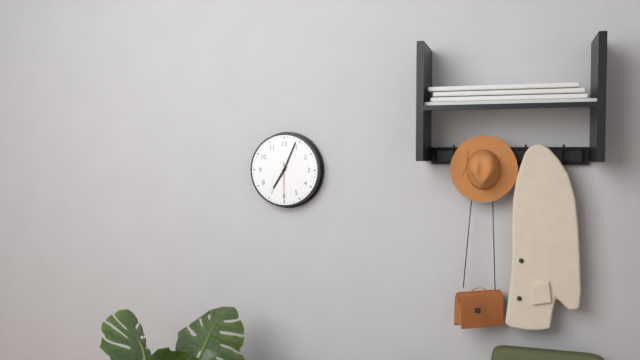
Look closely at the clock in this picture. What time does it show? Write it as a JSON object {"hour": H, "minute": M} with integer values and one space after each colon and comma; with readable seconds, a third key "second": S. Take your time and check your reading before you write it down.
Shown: {"hour": 7, "minute": 4}
